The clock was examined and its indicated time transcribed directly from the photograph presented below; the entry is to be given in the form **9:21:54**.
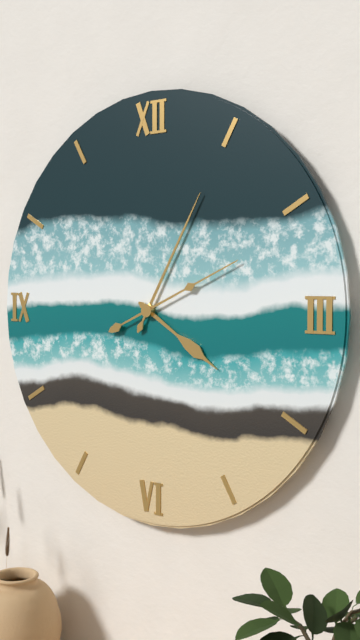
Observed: **4:05:11**
